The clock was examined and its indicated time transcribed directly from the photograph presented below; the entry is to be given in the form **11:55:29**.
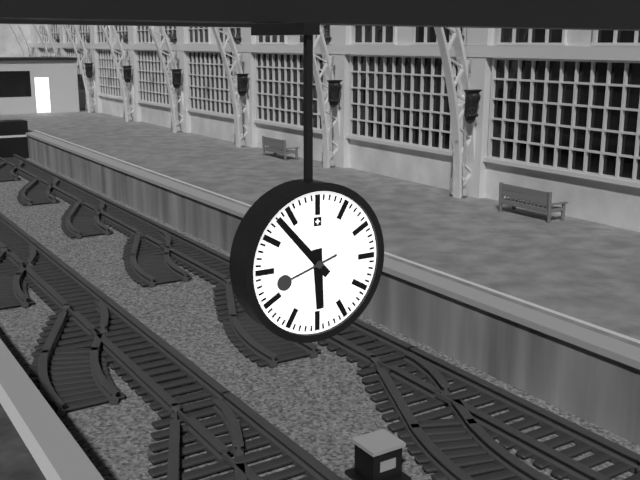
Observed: **5:53:42**
